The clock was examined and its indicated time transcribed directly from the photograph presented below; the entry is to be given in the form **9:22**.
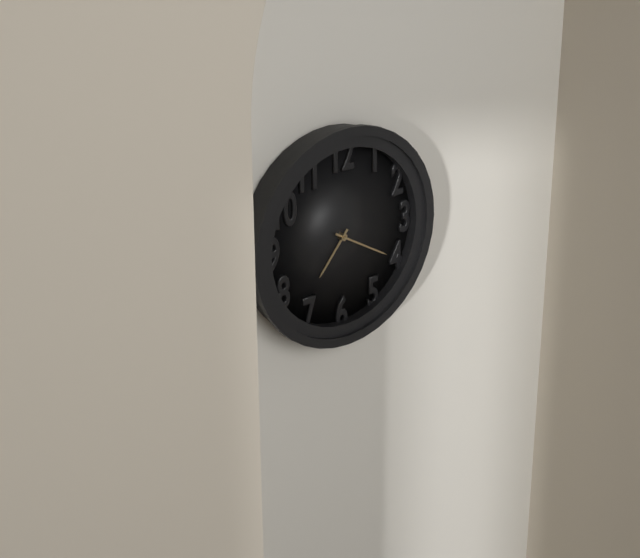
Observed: **7:20**
